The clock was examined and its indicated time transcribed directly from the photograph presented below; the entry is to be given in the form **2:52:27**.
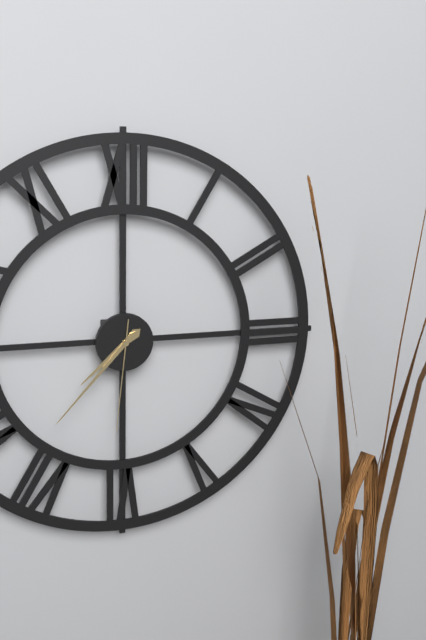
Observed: **7:37:31**
